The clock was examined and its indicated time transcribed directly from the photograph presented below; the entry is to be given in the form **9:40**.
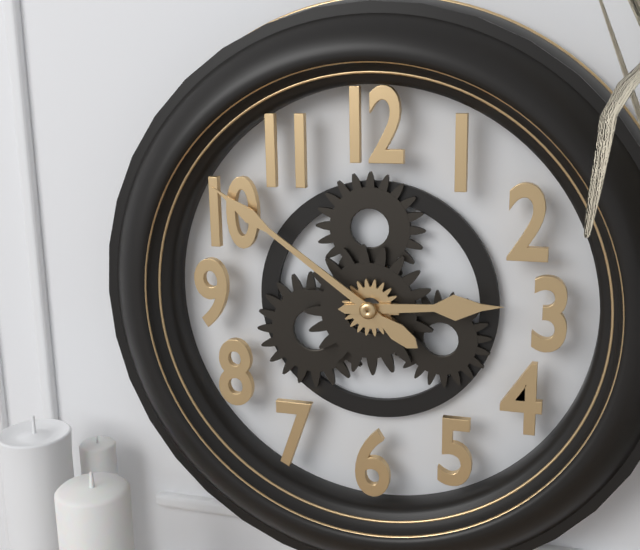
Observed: **2:51**
